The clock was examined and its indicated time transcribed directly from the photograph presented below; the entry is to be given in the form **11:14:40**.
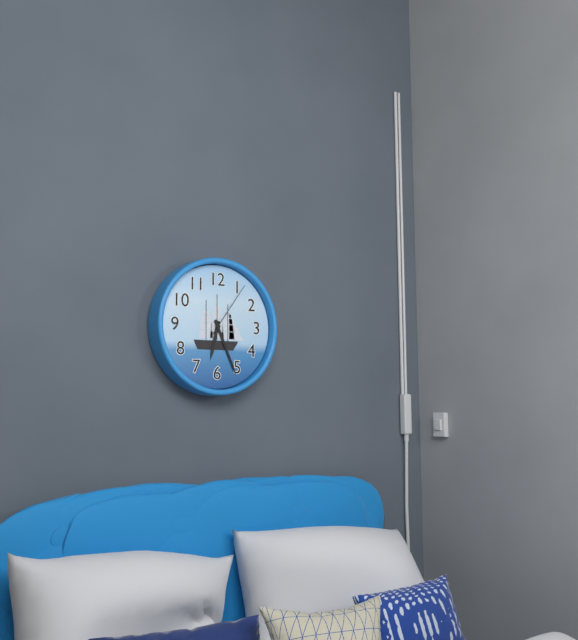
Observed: **6:26:06**
